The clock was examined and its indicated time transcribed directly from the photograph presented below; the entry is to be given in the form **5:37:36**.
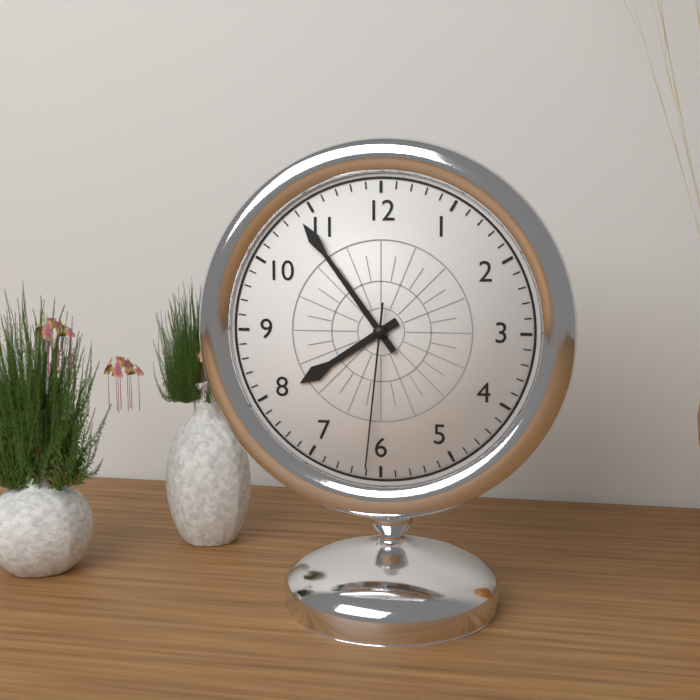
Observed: **7:54:31**
